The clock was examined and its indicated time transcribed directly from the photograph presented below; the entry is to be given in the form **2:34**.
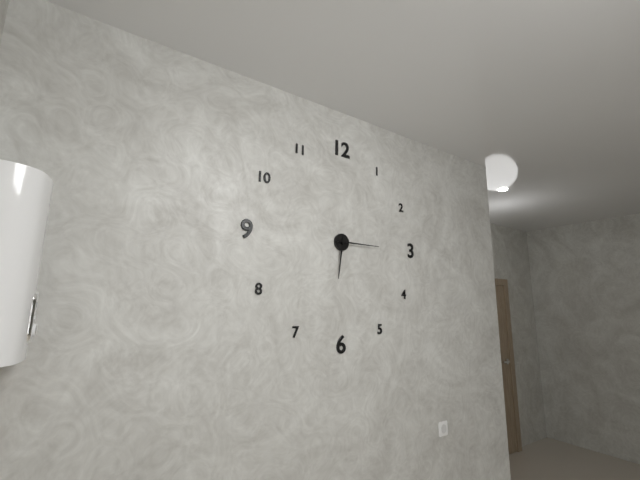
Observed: **6:15**
